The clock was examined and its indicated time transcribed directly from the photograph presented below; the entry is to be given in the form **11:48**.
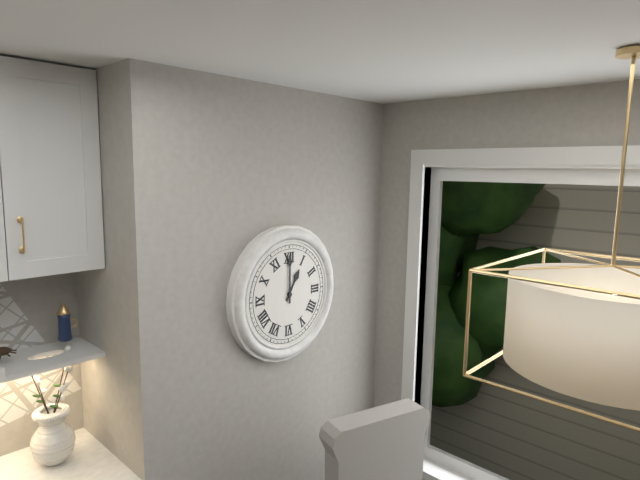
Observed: **1:00**
